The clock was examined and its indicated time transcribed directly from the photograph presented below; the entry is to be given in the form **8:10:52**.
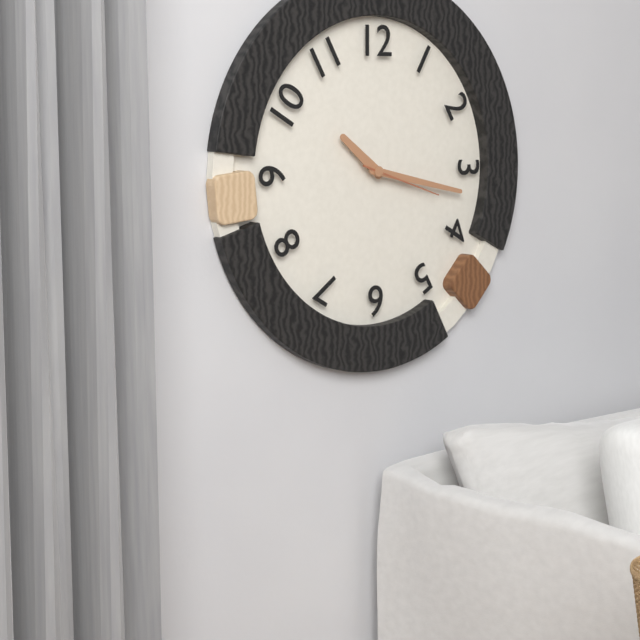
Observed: **10:17:18**
